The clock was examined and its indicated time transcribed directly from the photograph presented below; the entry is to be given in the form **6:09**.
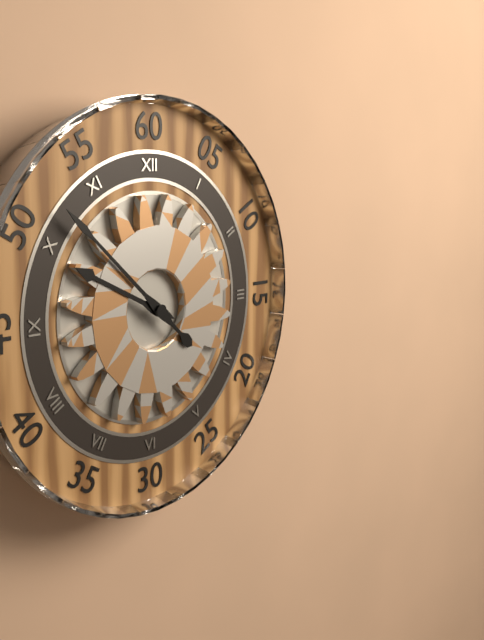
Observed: **9:52**
